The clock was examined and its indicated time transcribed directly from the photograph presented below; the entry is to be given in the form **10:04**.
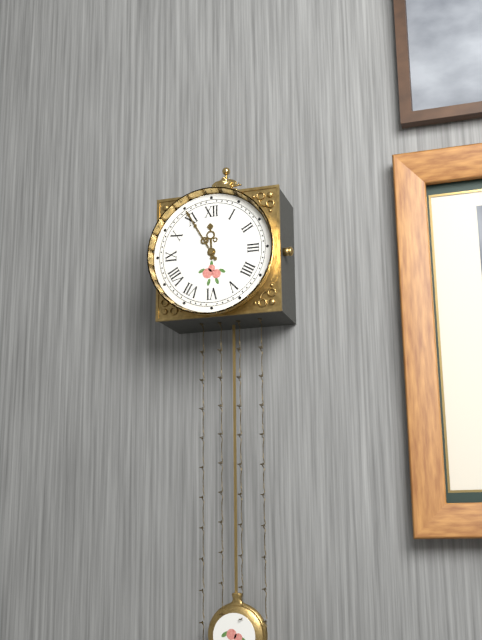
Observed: **11:55**
